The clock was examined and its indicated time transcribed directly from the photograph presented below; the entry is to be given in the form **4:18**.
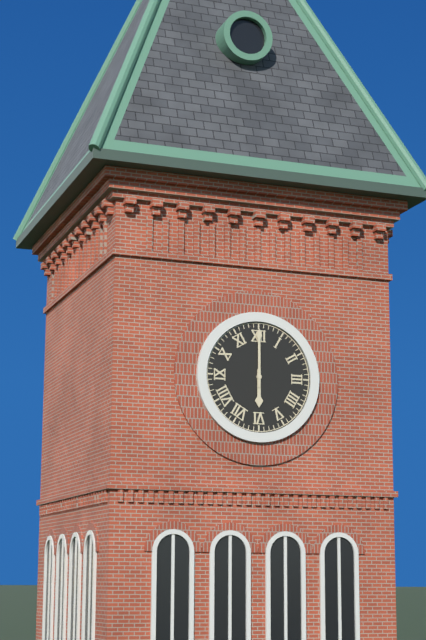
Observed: **6:00**
